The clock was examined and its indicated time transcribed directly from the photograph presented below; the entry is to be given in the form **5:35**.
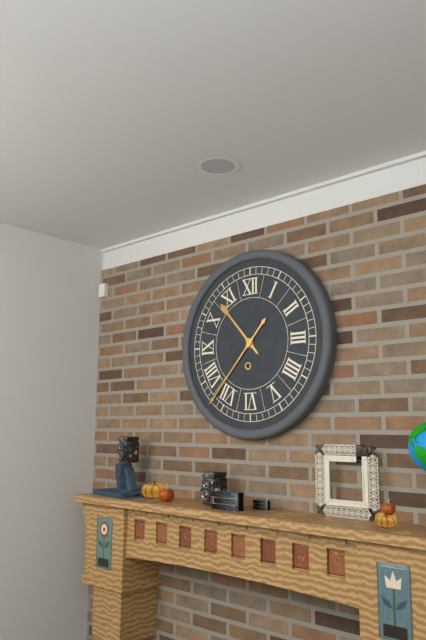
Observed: **10:37**
